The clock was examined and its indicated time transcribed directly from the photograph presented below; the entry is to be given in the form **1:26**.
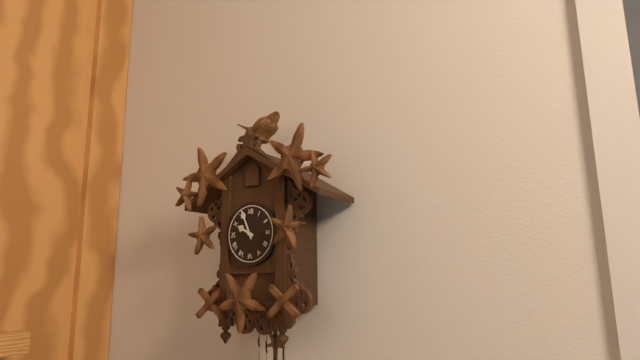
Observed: **9:56**
